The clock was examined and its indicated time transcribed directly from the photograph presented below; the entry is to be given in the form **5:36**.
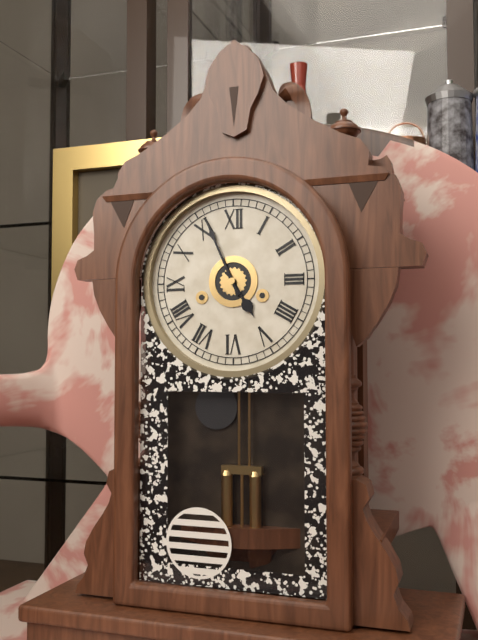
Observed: **4:56**
